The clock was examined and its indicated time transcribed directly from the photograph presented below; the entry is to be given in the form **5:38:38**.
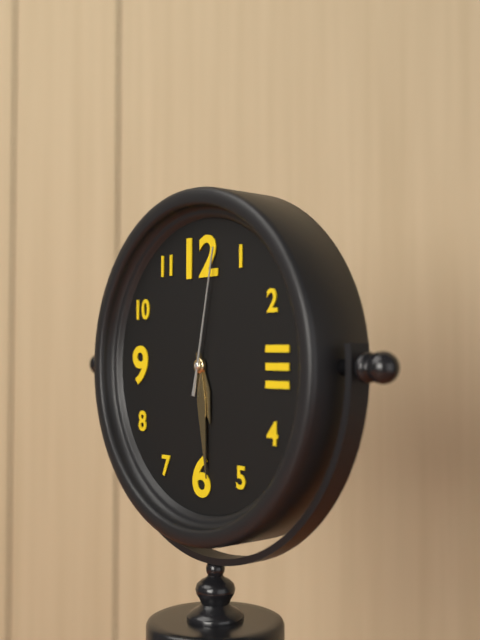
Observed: **5:29:02**
